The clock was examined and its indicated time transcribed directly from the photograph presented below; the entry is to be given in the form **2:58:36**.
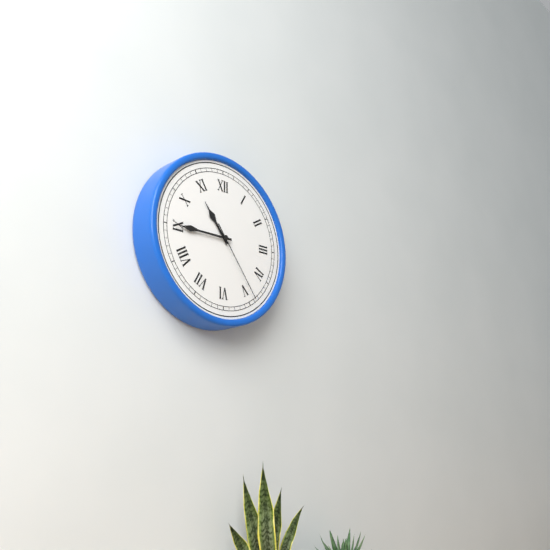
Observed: **10:45:24**
